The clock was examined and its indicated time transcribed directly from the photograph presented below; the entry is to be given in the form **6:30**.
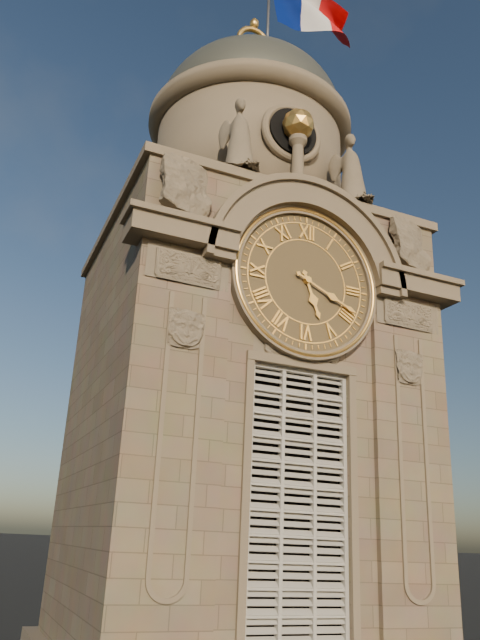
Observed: **5:19**
